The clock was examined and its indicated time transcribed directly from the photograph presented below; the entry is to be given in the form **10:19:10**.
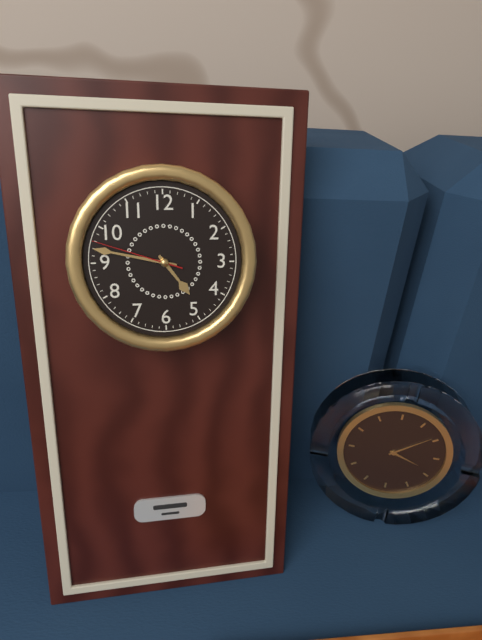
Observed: **4:47:48**
